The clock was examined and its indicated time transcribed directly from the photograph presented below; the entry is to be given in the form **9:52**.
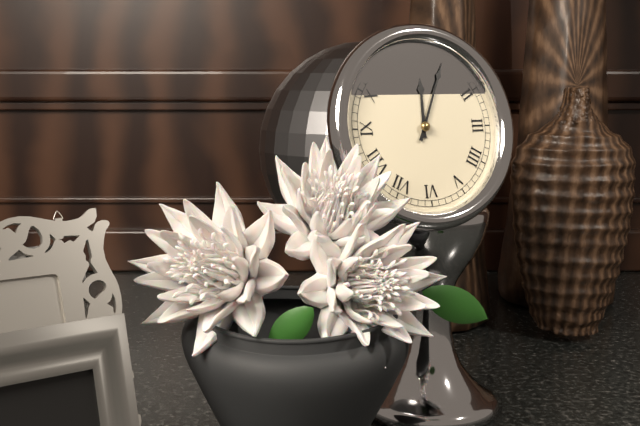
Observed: **12:04**
